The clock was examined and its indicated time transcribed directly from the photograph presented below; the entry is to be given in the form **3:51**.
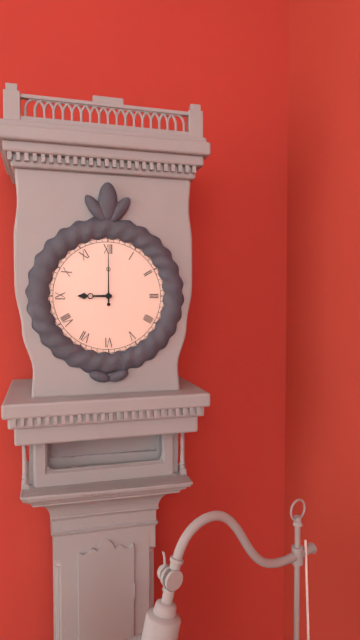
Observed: **9:00**
